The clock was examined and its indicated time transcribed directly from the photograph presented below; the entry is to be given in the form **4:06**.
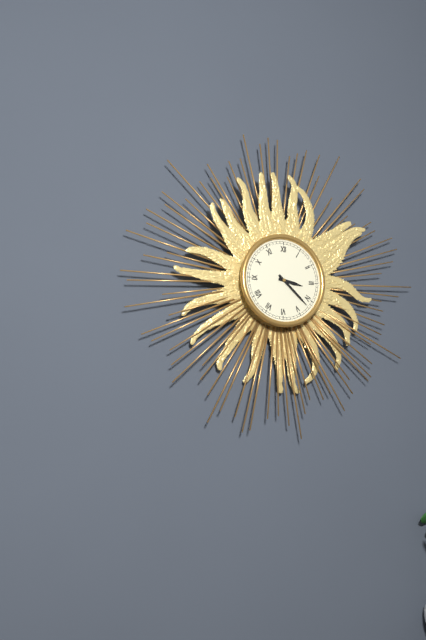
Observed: **3:22**
